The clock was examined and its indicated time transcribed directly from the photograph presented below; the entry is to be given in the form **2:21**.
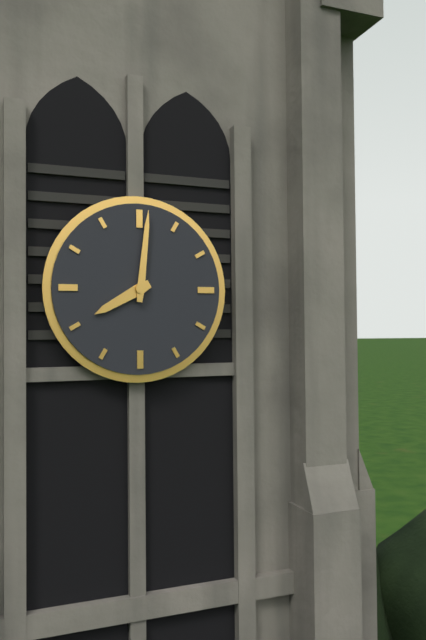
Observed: **8:01**
